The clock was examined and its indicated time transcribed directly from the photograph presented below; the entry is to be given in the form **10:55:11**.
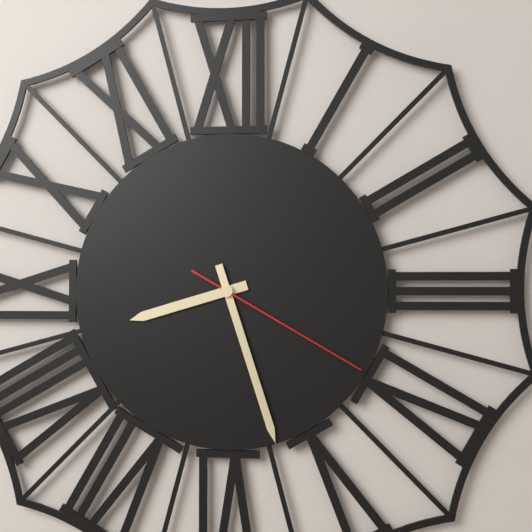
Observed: **8:27:20**
